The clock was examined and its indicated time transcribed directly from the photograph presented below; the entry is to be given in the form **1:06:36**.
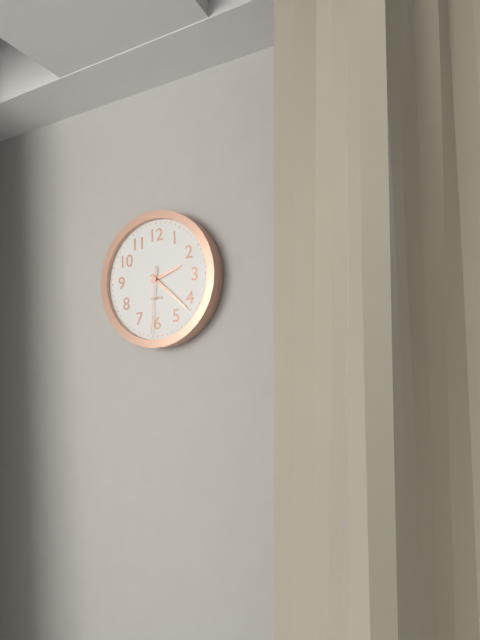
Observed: **2:22:31**
